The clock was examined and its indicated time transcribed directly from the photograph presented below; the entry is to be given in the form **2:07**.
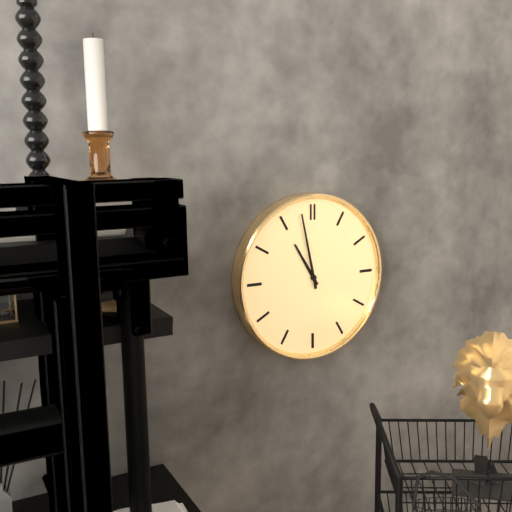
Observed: **10:58**
